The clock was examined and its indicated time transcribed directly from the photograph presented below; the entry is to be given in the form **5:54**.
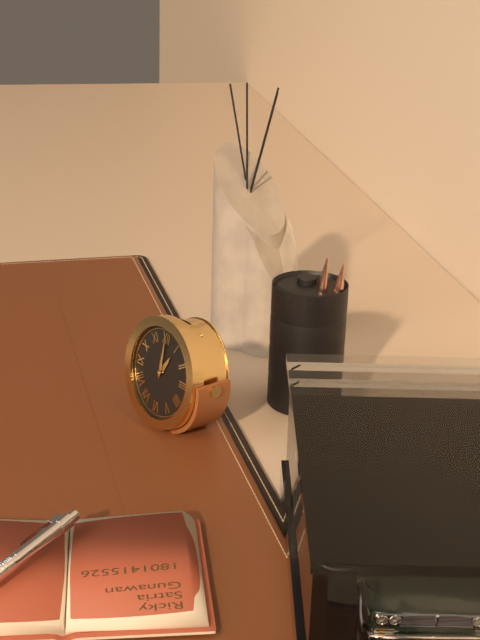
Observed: **1:00**
